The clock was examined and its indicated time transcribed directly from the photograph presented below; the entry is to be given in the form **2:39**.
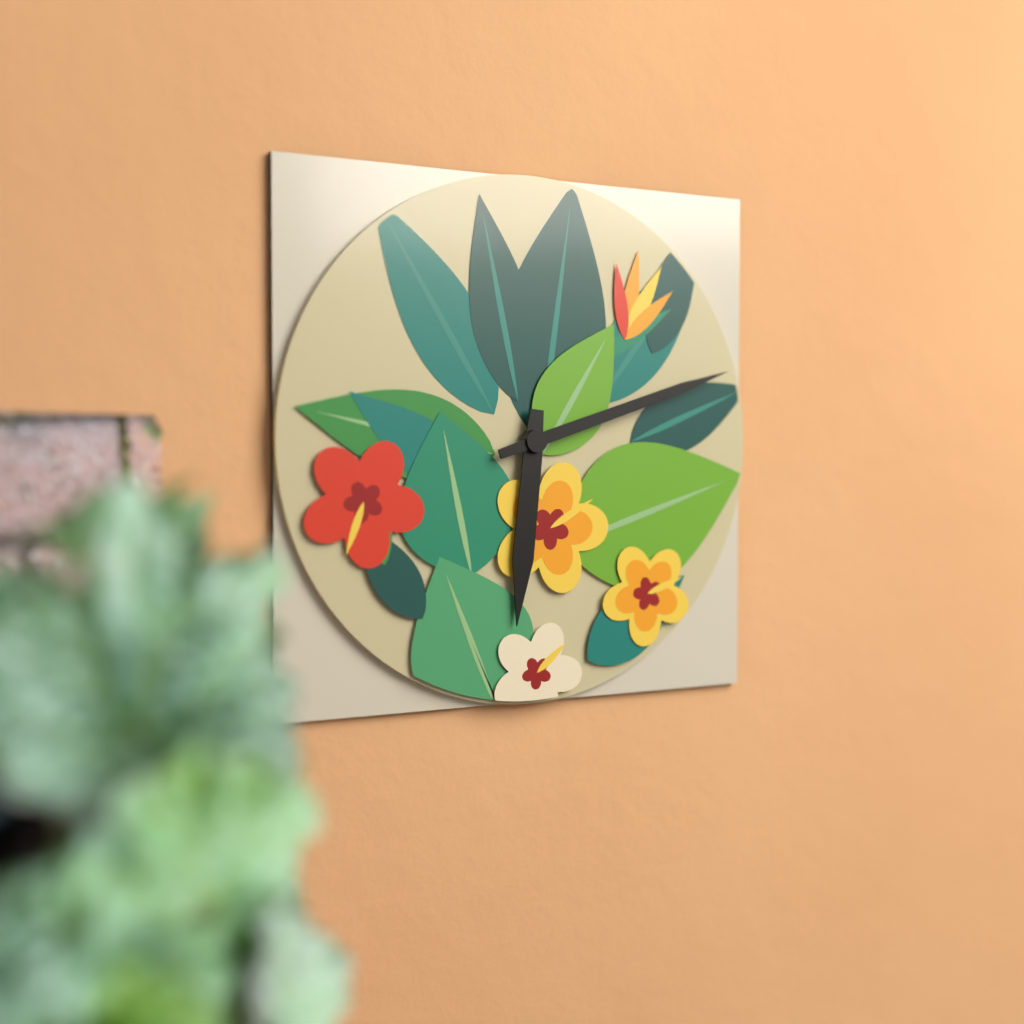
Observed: **6:12**
